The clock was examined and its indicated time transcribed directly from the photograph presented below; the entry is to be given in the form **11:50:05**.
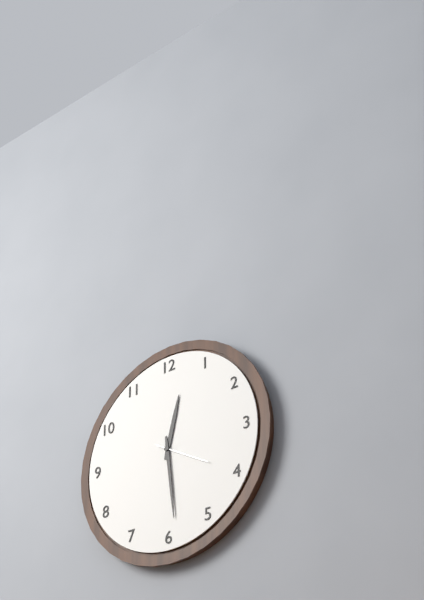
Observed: **12:29:20**
